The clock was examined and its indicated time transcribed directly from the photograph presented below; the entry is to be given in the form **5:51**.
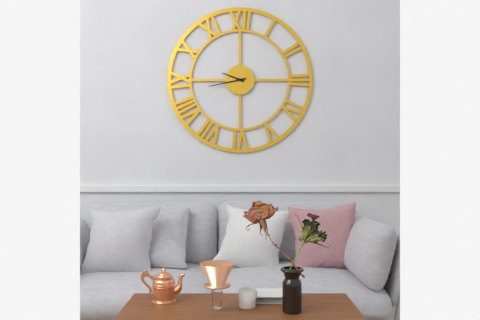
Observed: **9:43**
